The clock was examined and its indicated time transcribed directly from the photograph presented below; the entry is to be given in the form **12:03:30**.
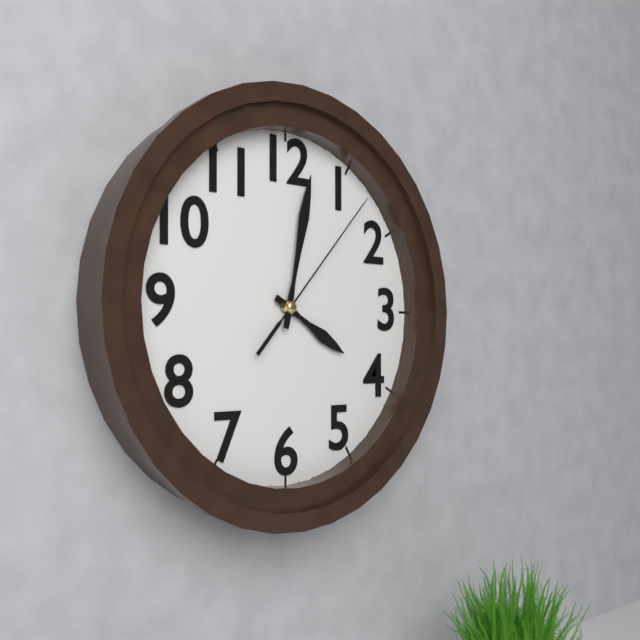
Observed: **4:02:07**
